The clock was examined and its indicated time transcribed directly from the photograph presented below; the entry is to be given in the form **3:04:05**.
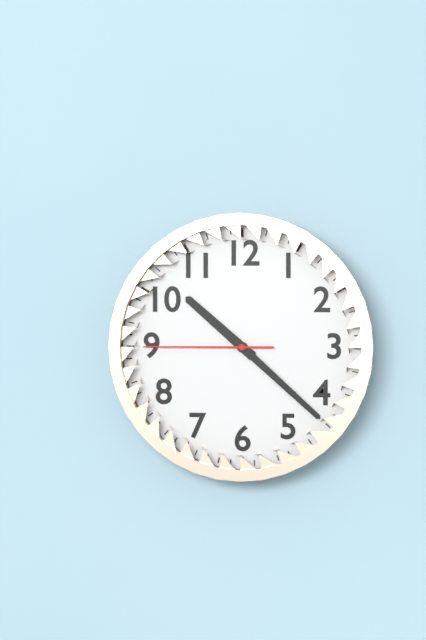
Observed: **10:22:45**
